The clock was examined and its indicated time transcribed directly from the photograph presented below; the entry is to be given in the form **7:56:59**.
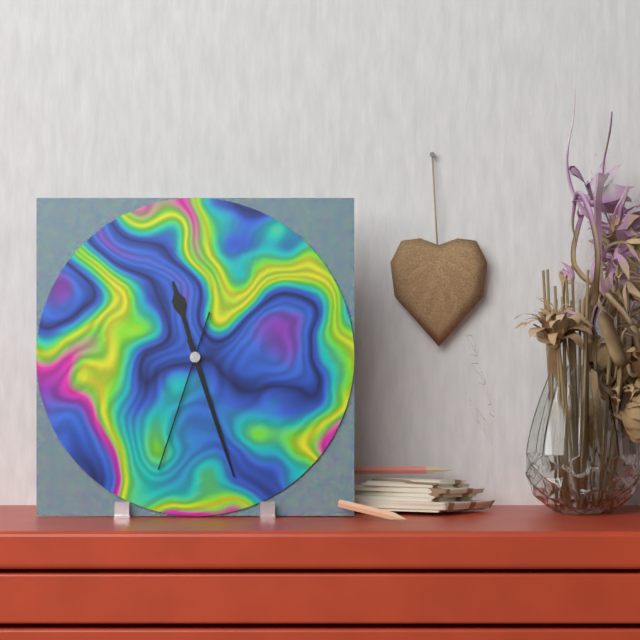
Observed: **11:27:33**
